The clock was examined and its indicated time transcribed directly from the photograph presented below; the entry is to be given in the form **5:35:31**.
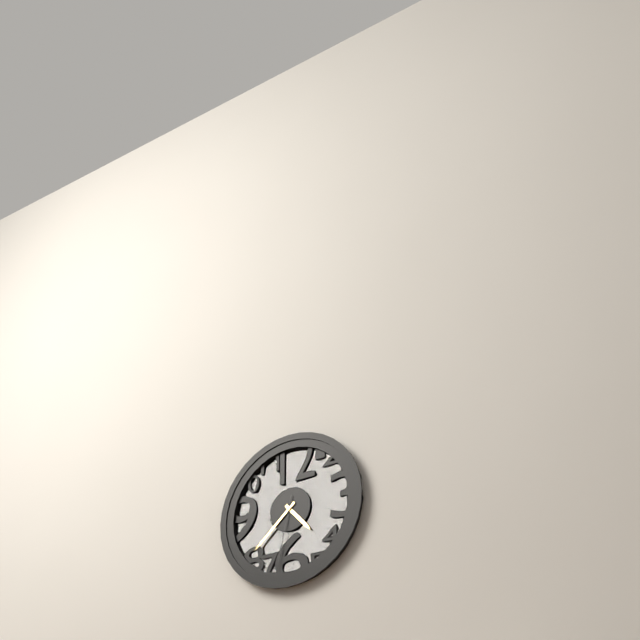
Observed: **4:38:32**
